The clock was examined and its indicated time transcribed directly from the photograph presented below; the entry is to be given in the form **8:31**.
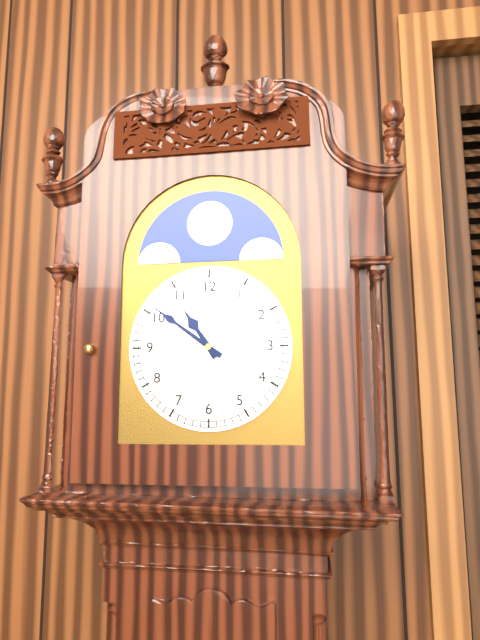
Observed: **10:51**
